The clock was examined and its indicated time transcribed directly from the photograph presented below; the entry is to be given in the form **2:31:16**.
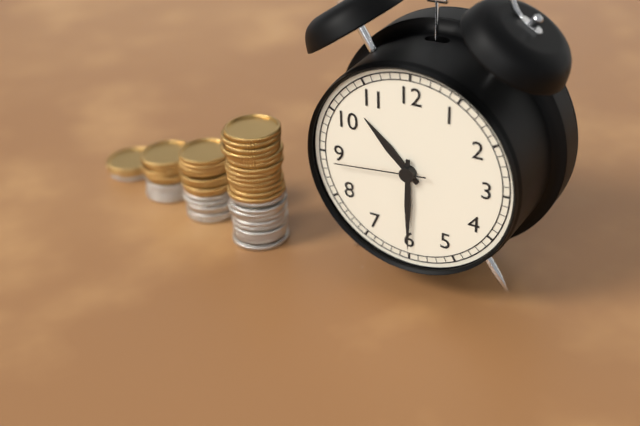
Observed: **10:30:44**
